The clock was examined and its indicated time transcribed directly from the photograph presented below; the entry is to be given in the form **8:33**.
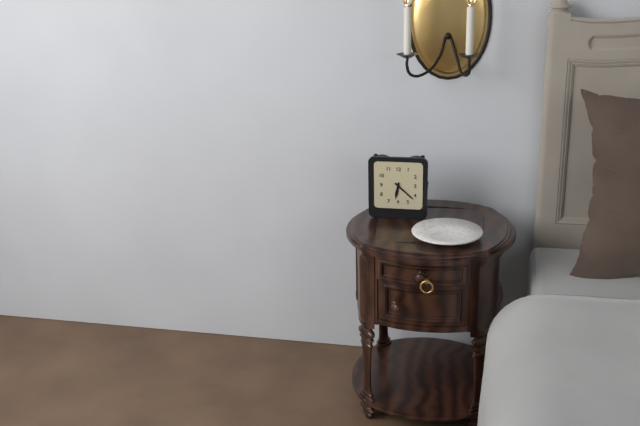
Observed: **6:22**
